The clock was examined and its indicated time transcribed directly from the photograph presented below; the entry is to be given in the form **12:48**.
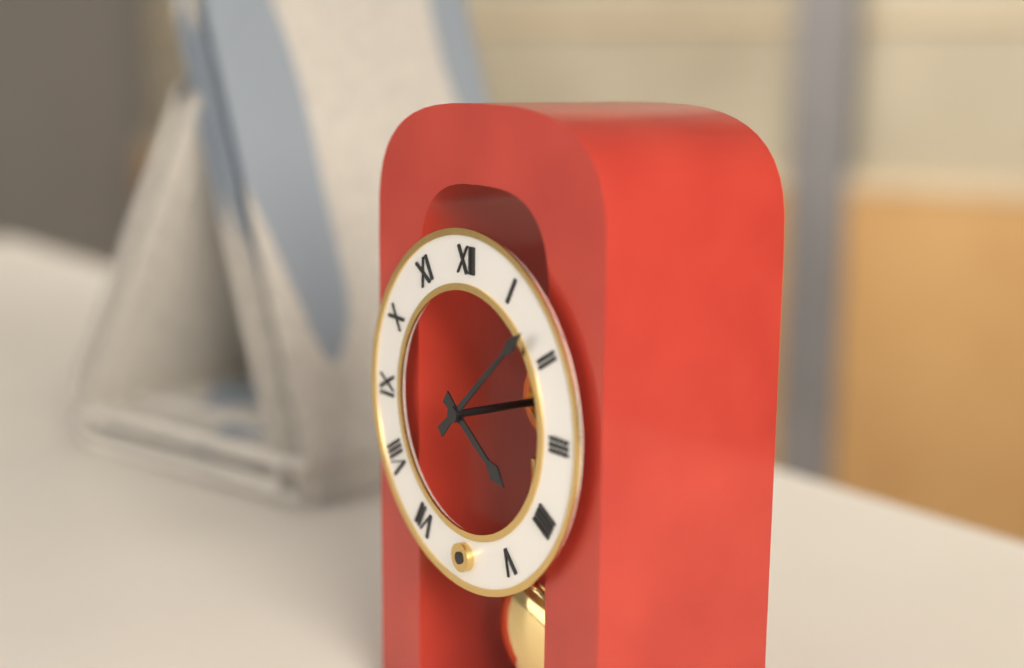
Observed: **4:08**
